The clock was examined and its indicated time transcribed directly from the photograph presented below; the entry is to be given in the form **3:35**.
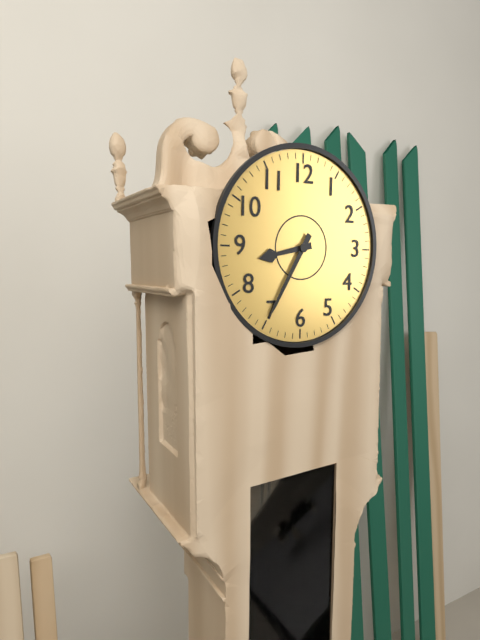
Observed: **8:35**
